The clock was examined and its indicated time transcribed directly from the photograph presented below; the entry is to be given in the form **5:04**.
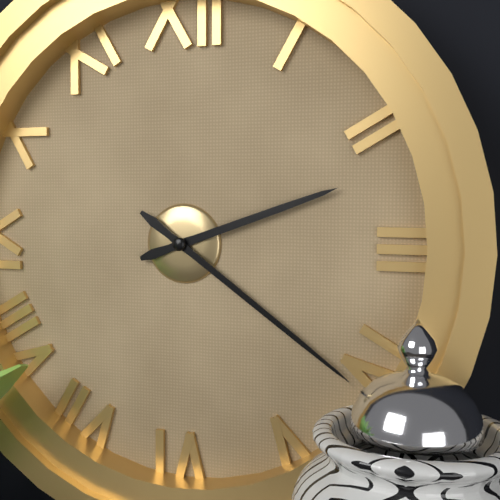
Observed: **2:21**
